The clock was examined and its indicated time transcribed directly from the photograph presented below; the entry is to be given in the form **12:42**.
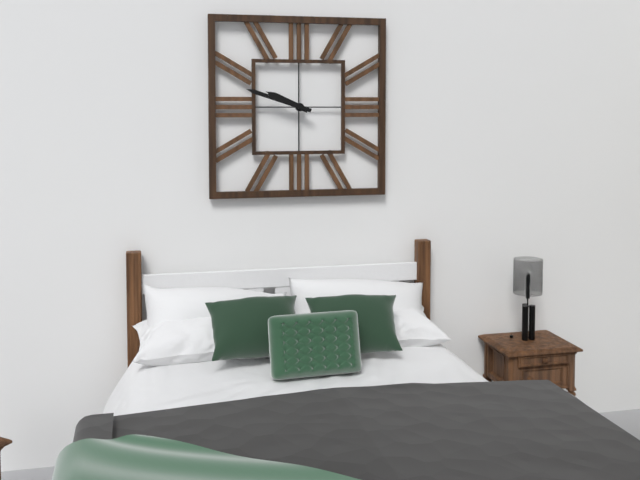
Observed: **9:48**
